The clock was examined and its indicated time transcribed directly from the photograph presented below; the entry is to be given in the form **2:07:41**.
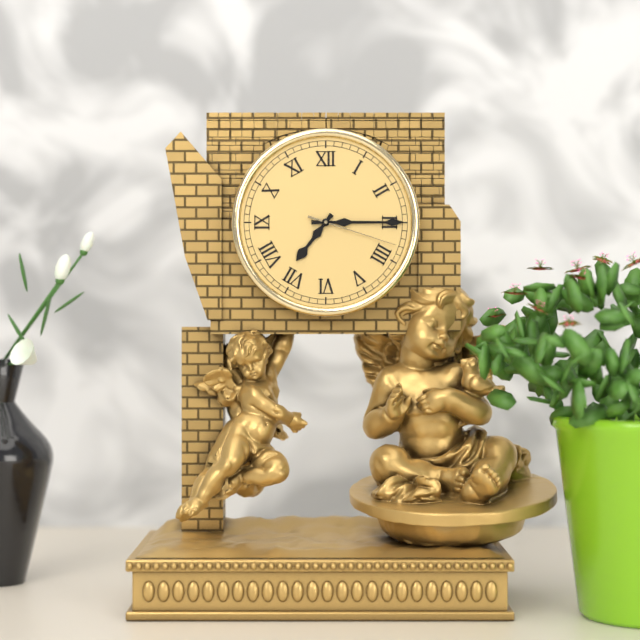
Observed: **7:15:18**
